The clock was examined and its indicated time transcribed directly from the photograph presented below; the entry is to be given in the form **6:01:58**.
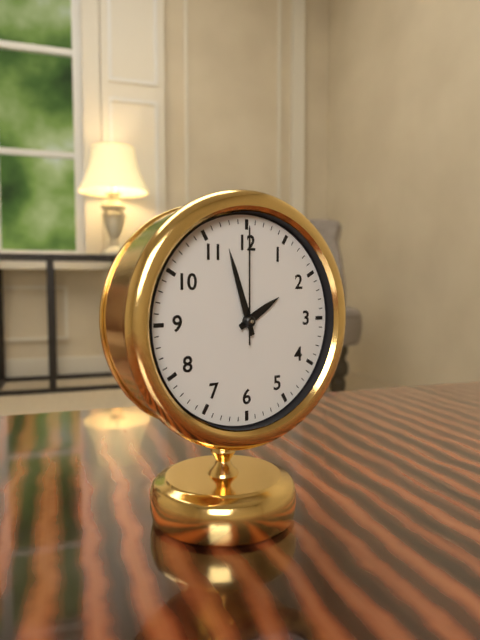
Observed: **1:57:00**
